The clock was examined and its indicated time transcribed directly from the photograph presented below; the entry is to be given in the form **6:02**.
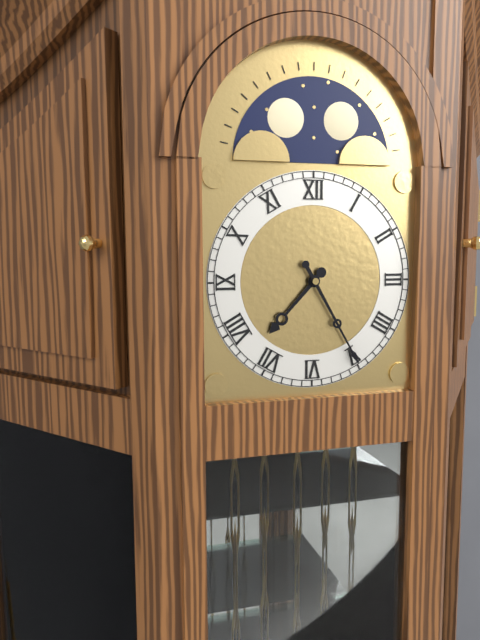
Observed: **7:25**
